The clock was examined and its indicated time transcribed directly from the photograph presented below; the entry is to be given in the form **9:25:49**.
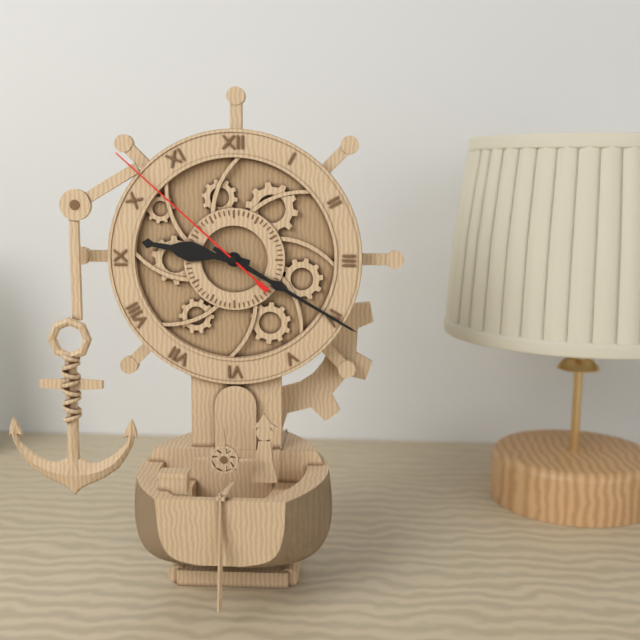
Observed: **9:20:52**
